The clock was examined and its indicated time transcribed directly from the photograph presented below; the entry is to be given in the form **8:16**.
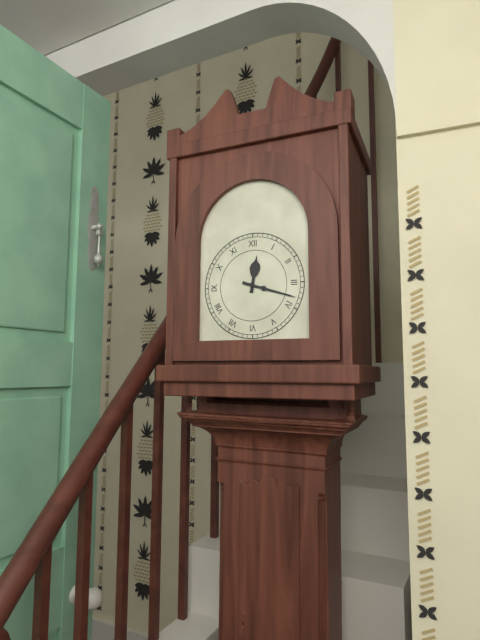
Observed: **12:18**
